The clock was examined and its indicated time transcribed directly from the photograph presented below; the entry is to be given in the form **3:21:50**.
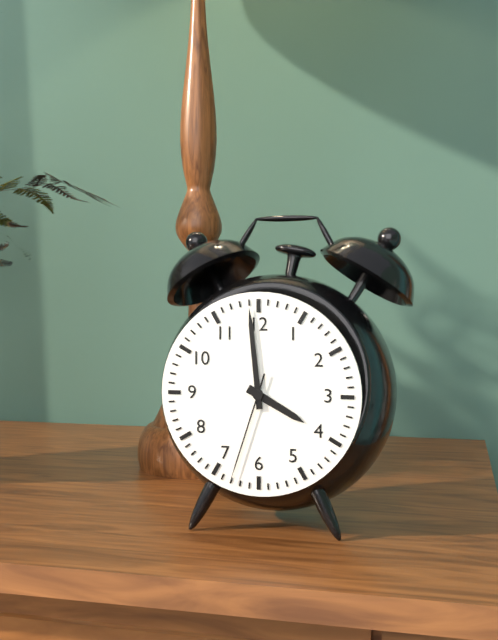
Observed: **3:59:33**
